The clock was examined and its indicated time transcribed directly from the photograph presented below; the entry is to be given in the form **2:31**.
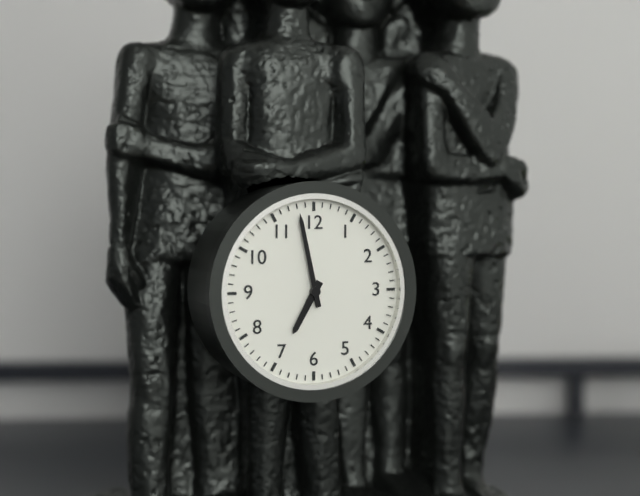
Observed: **6:58**
